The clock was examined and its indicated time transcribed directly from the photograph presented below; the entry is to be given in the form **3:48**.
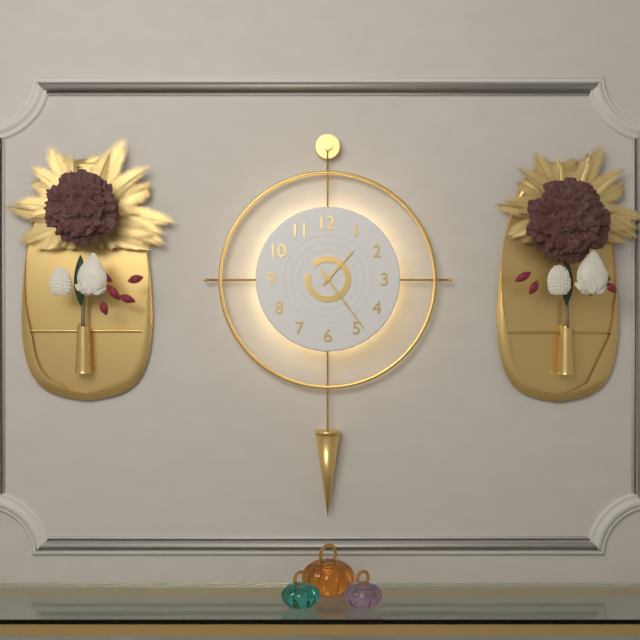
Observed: **1:24**
